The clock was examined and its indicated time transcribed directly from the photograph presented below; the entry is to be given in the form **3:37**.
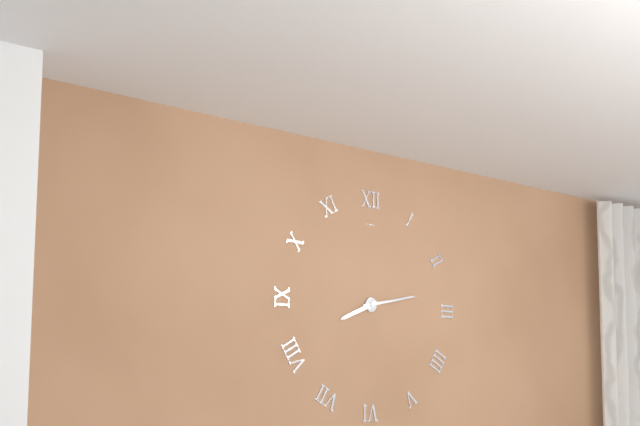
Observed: **8:13**
